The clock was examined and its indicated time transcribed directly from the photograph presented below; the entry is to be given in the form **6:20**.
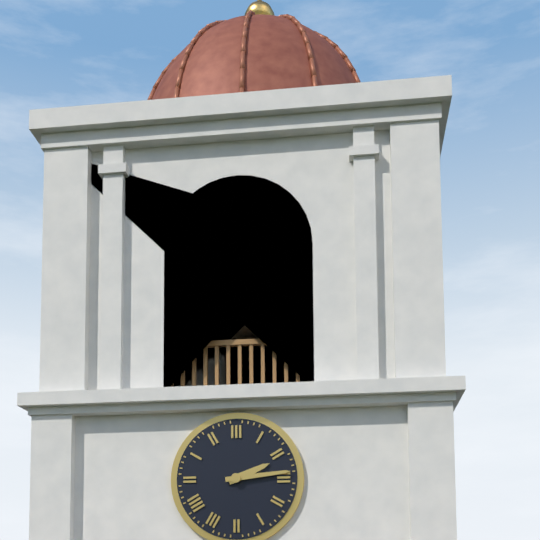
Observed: **2:14**
